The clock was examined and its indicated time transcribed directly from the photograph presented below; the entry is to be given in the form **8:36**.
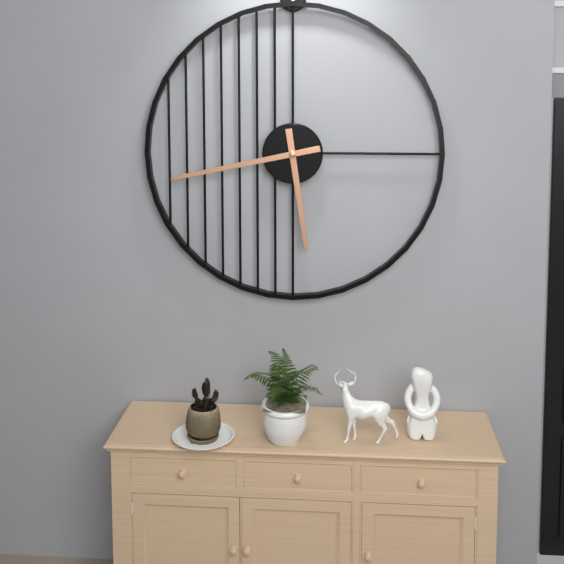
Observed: **5:43**
